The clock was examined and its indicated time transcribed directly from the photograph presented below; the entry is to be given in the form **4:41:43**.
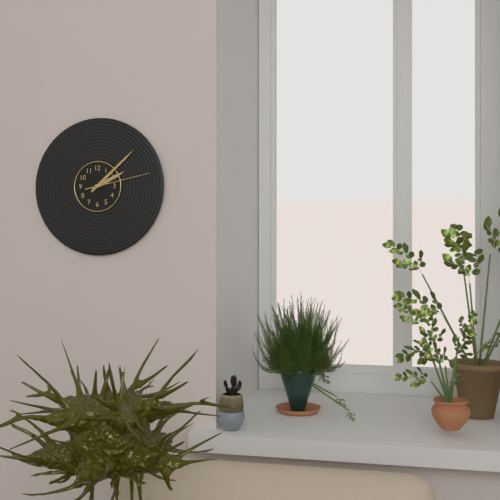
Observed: **2:08:13**
